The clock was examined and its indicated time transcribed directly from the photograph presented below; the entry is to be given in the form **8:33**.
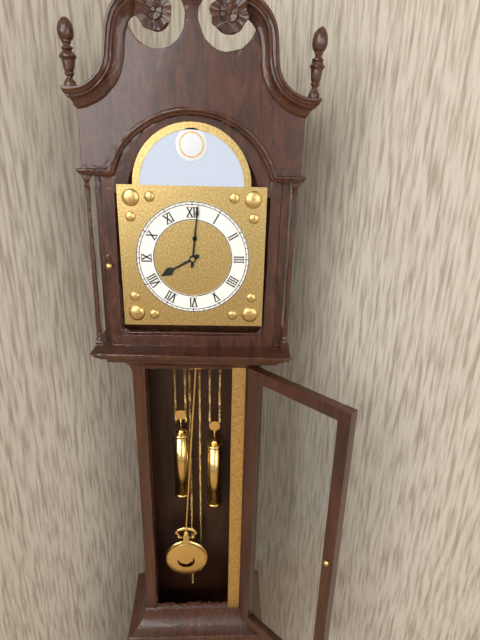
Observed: **8:01**
